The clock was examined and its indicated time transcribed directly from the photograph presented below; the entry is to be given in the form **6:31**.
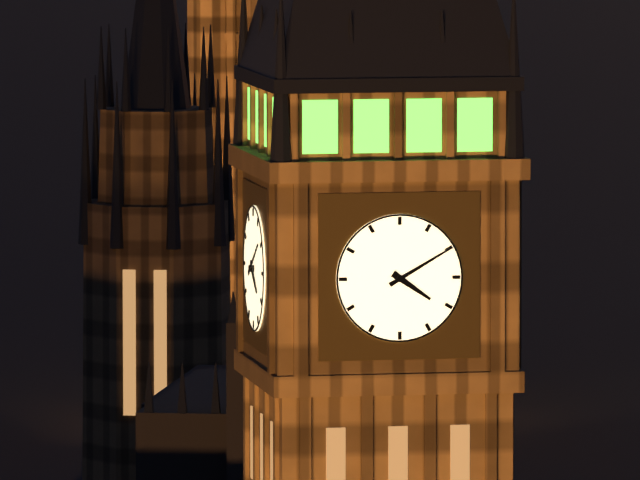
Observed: **4:10**
